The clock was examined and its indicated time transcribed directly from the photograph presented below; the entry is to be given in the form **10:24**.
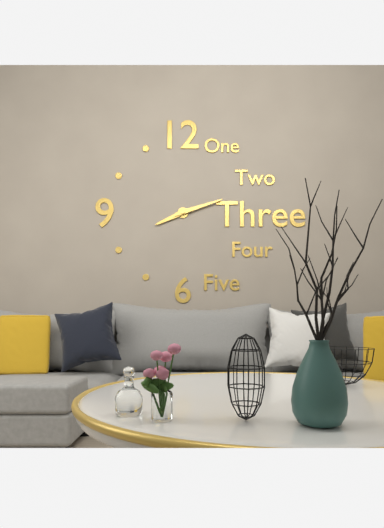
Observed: **8:12**
